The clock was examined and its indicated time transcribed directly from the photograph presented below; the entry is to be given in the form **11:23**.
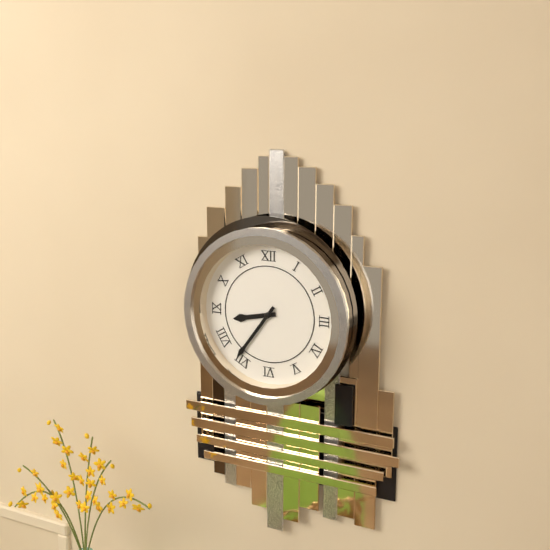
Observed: **8:36**
